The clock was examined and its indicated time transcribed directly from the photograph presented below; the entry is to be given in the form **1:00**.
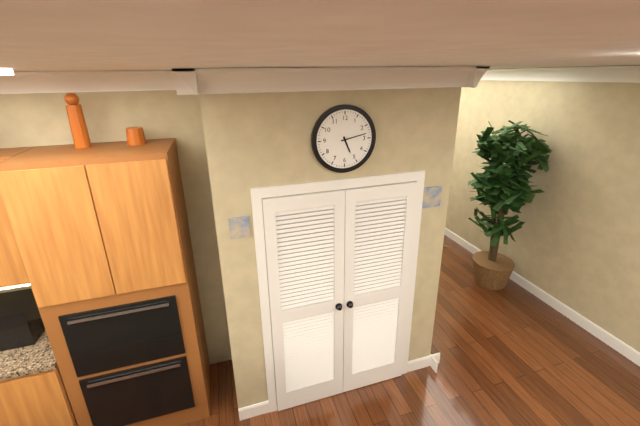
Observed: **5:13**
